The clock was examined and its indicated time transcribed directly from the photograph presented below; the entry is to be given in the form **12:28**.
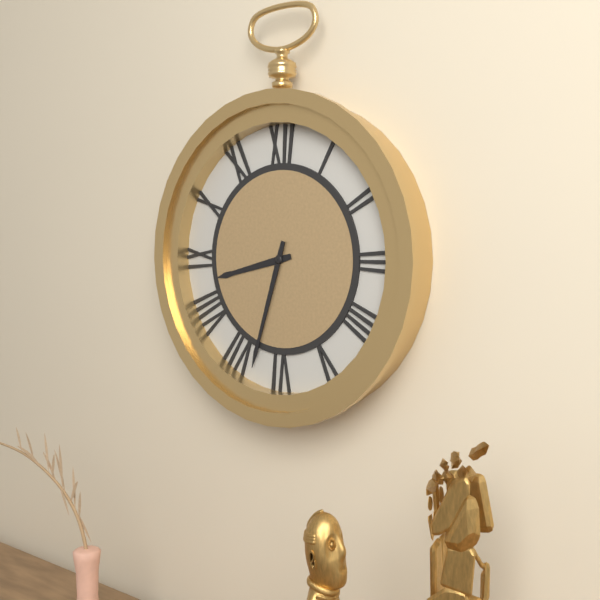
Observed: **8:33**
